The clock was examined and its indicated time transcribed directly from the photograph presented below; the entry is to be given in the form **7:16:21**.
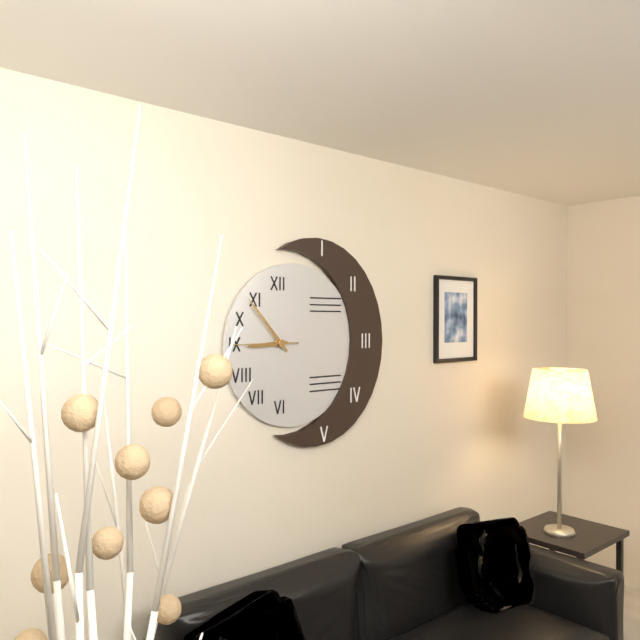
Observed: **8:53:45**
